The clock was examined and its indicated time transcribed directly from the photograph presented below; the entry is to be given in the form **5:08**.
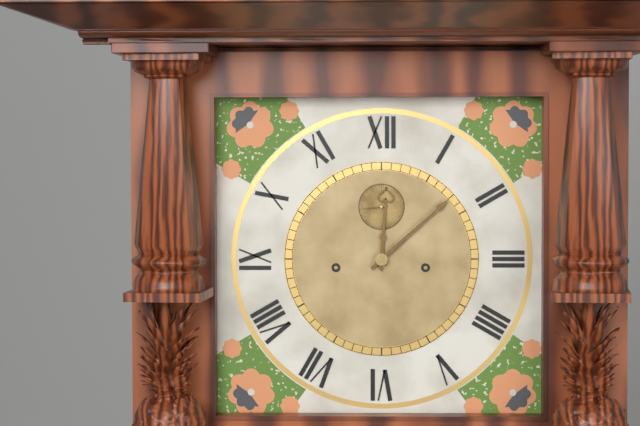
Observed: **12:08**
